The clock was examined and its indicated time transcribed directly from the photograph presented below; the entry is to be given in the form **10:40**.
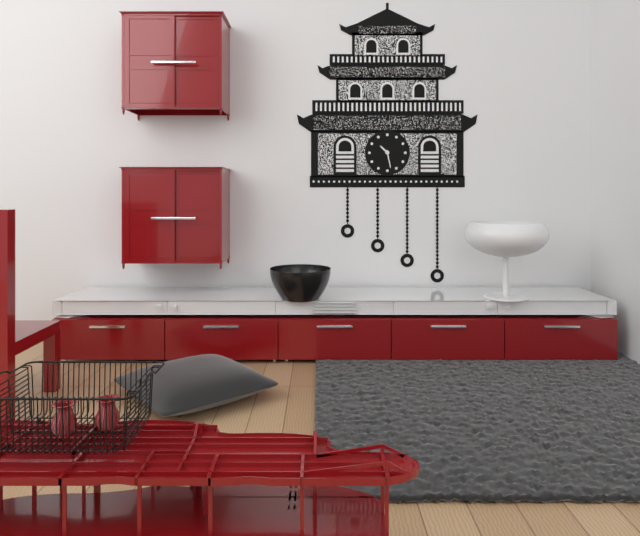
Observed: **10:28**
